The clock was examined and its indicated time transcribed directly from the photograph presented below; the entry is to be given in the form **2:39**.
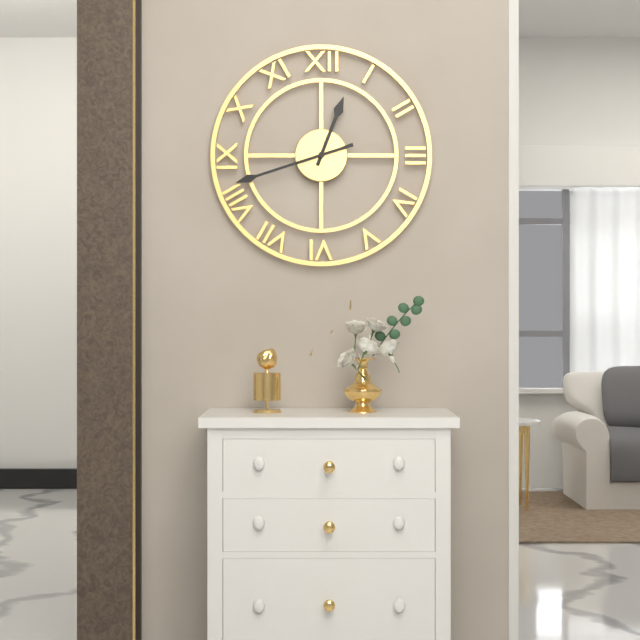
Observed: **12:42**
